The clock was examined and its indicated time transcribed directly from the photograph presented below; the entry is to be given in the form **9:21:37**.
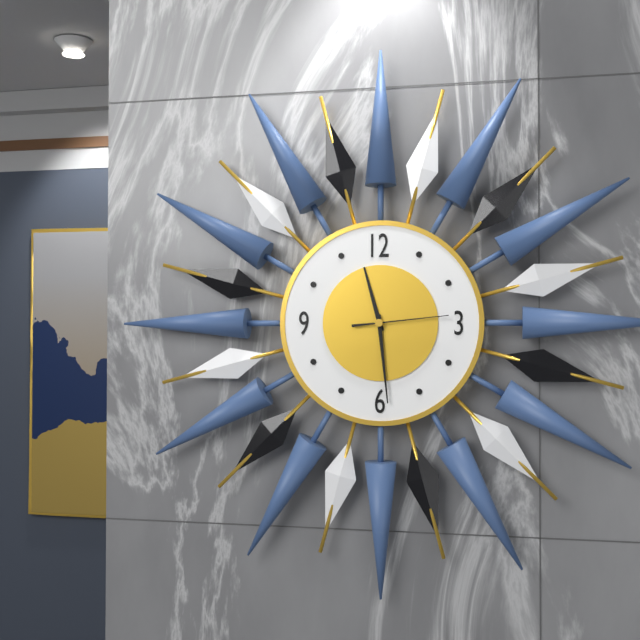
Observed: **11:29:14**
